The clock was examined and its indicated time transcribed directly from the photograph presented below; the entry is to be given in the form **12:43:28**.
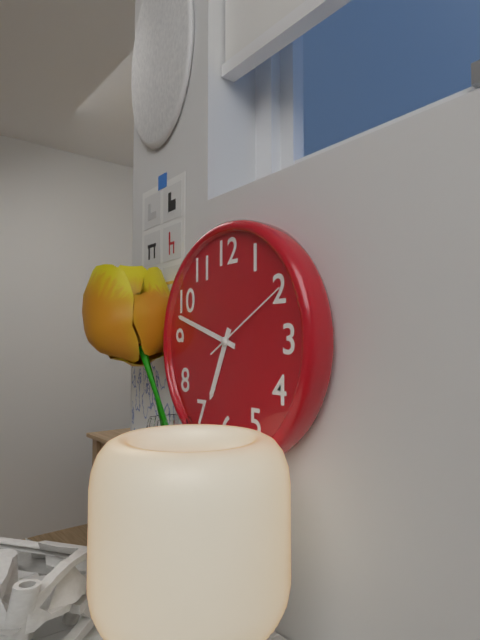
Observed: **6:48:10**
